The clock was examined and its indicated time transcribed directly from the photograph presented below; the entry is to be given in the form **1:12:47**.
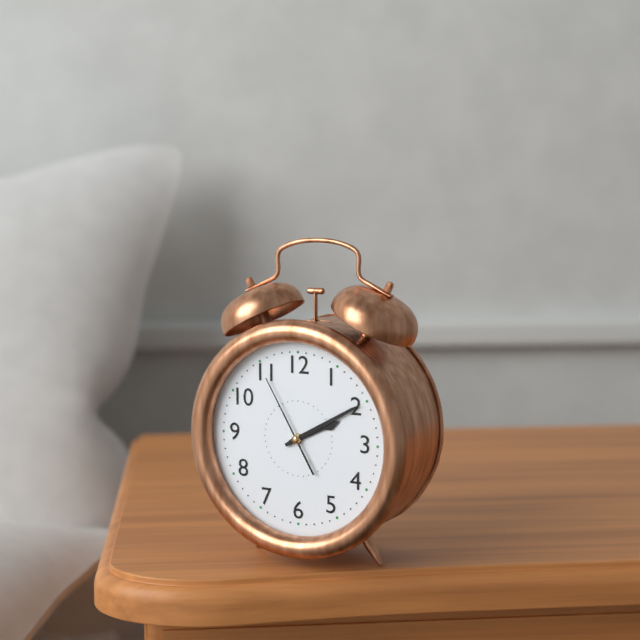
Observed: **2:10:55**
